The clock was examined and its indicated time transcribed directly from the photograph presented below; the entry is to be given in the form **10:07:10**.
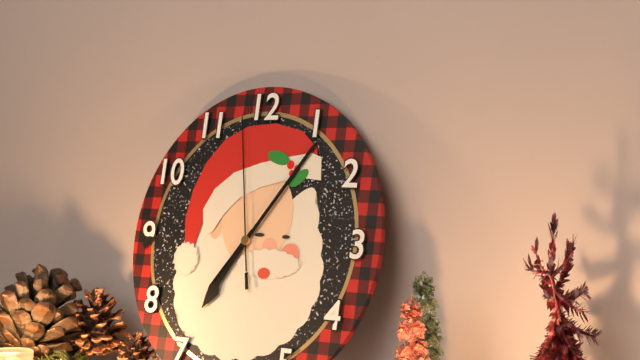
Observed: **7:06:58**
